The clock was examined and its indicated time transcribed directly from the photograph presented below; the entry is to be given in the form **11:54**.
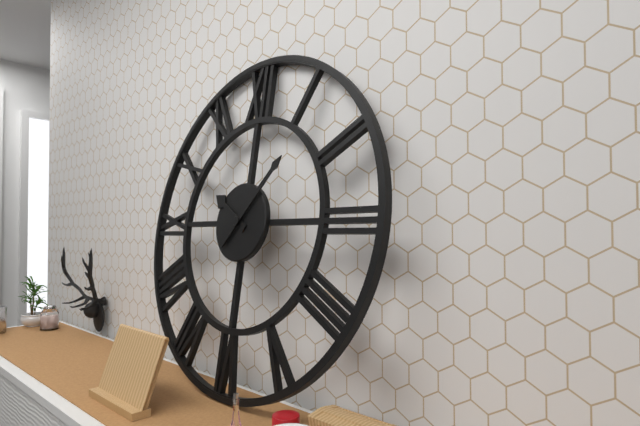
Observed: **10:07**
